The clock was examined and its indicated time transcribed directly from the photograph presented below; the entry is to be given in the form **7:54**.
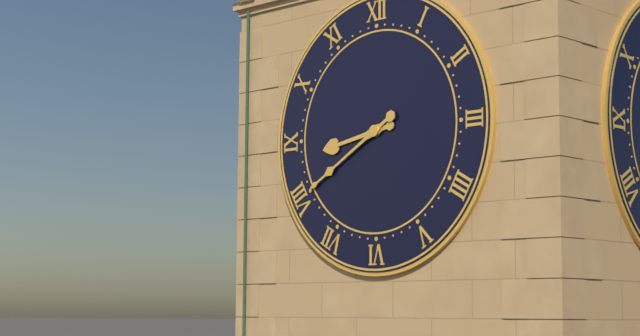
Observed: **8:40**
